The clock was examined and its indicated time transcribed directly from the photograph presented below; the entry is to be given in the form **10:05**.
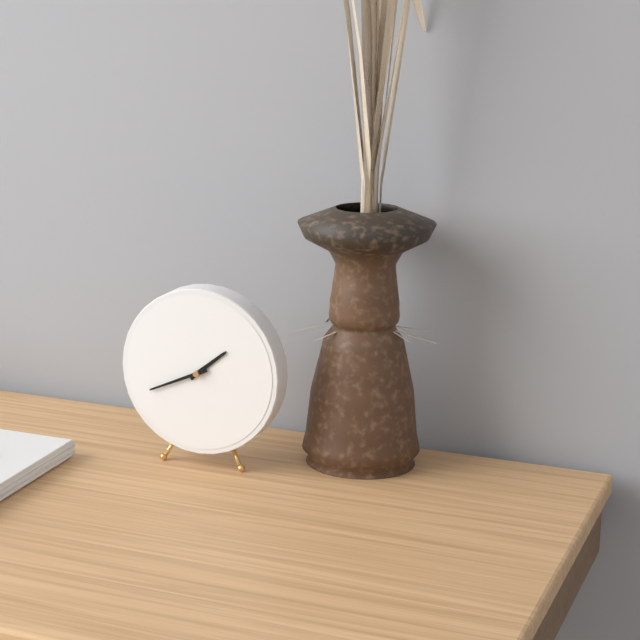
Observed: **1:41**
